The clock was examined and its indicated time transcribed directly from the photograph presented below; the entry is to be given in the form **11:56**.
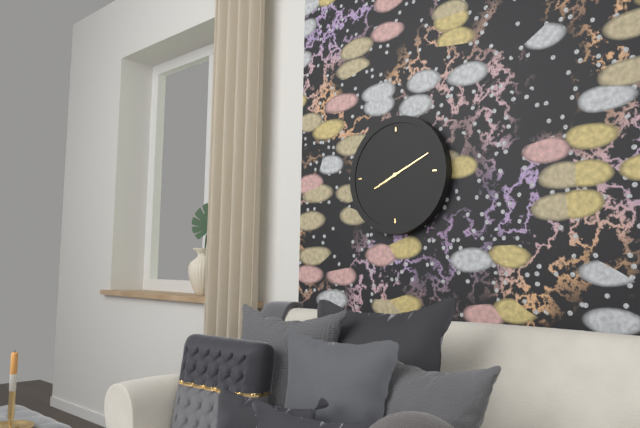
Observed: **8:11**
